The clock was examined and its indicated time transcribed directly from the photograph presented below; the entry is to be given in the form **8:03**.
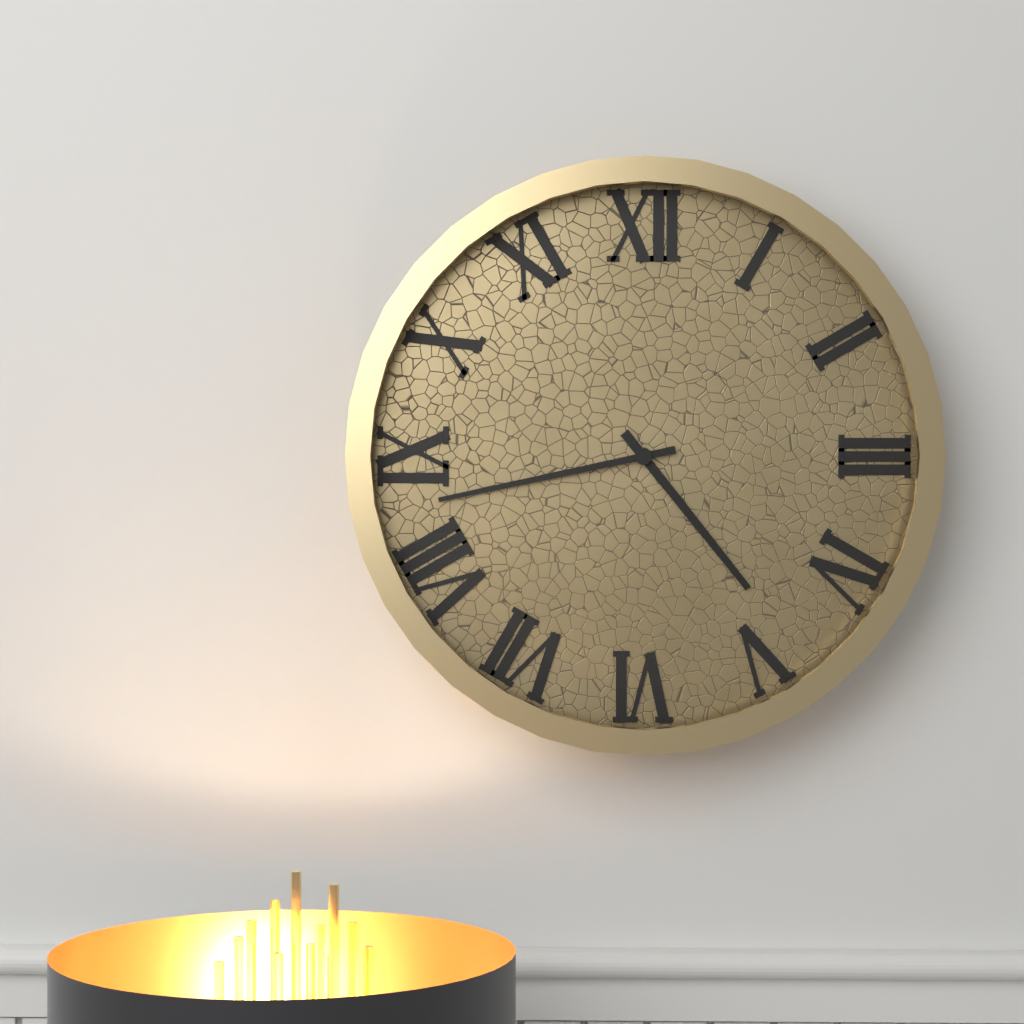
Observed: **4:43**
